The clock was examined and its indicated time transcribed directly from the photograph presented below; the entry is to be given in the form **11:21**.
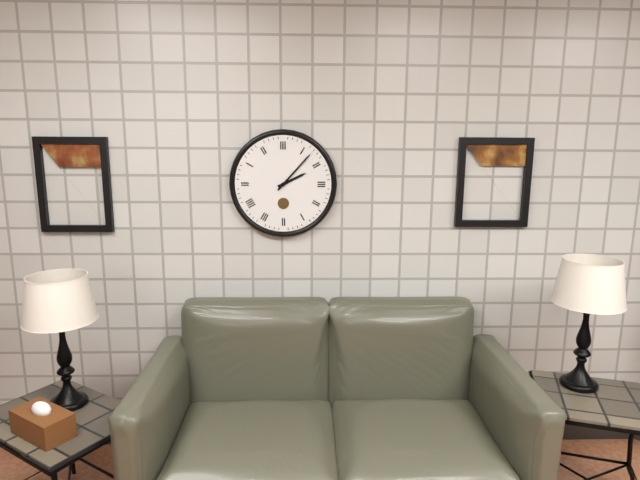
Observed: **2:07**
